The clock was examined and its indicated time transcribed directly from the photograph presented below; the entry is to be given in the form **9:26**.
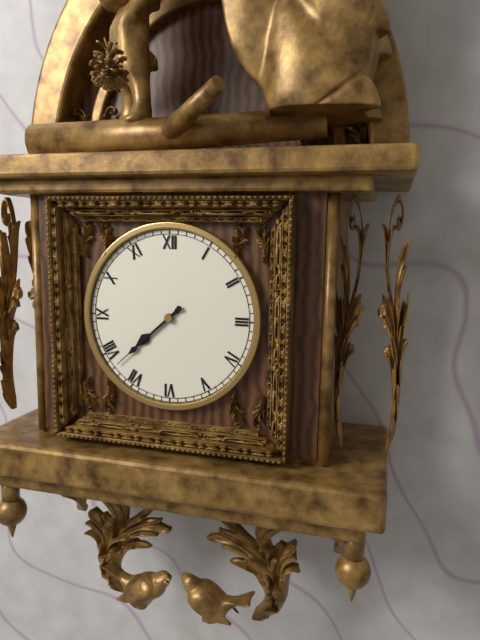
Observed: **7:38**
